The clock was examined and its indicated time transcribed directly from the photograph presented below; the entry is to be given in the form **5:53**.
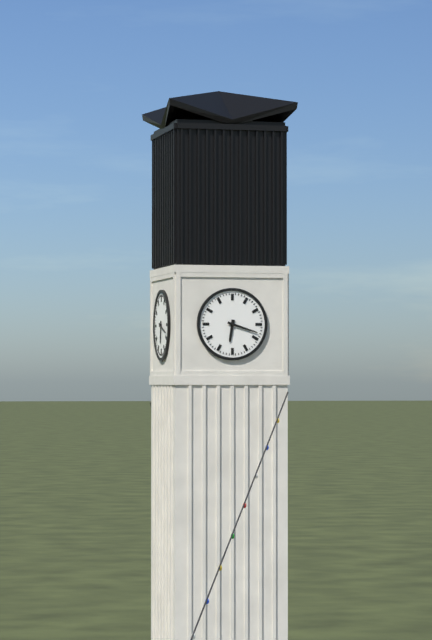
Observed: **6:18**
